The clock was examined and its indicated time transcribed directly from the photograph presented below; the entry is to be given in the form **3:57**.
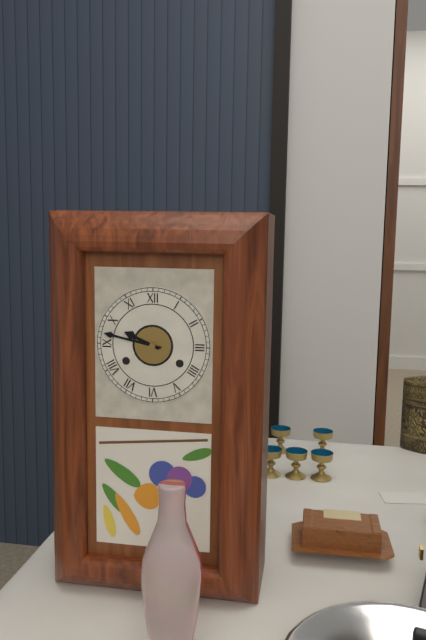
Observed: **9:47**
